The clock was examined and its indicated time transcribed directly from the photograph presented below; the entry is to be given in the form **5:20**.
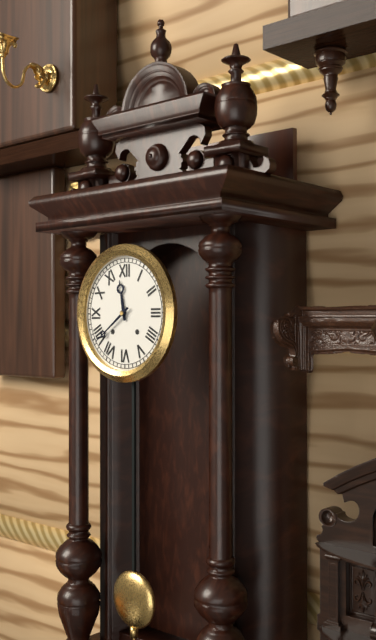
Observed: **11:39**
